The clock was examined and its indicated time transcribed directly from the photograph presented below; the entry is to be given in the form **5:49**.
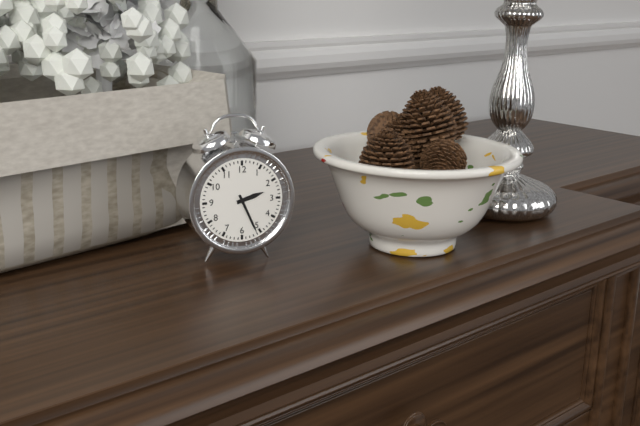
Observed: **2:26**
